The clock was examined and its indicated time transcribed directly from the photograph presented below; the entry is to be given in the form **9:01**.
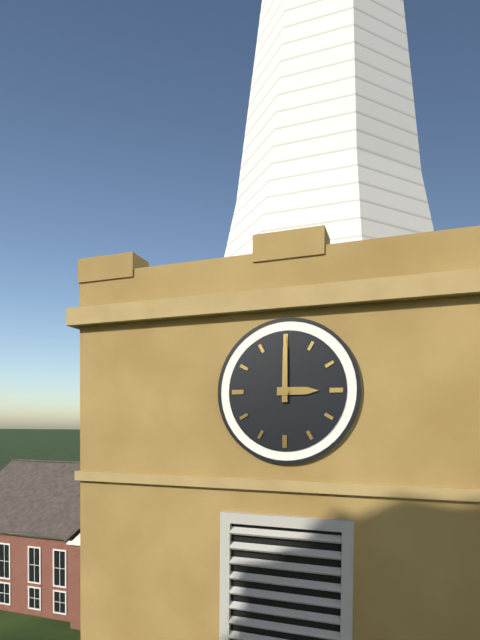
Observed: **3:00**
